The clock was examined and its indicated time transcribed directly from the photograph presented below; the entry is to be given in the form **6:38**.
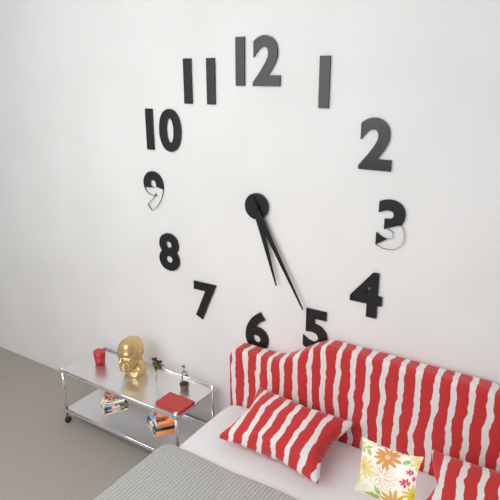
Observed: **5:25**
